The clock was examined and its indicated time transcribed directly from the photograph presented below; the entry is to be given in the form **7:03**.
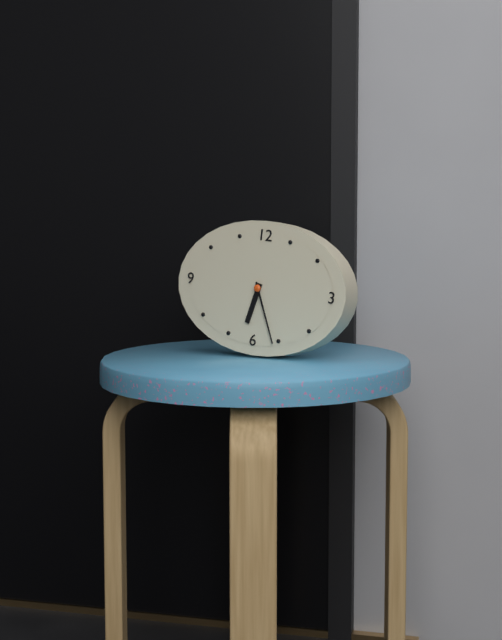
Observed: **6:26**
